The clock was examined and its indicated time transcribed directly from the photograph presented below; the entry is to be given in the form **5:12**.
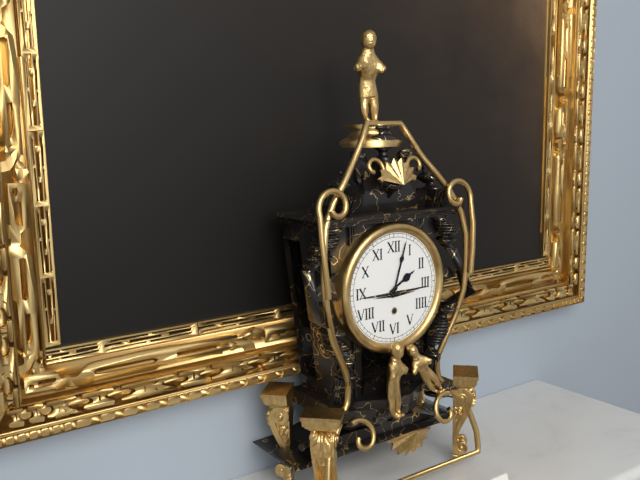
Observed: **2:03**
